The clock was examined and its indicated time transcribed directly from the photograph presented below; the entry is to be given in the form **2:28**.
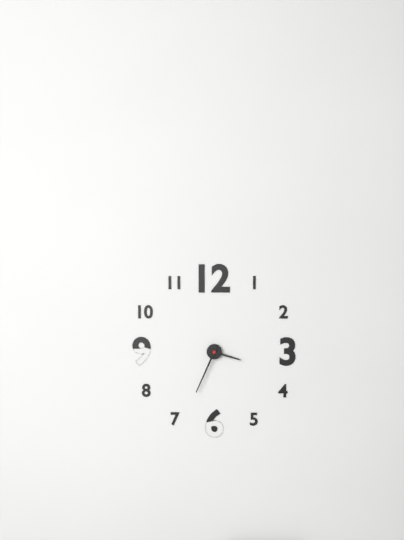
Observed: **3:34**
